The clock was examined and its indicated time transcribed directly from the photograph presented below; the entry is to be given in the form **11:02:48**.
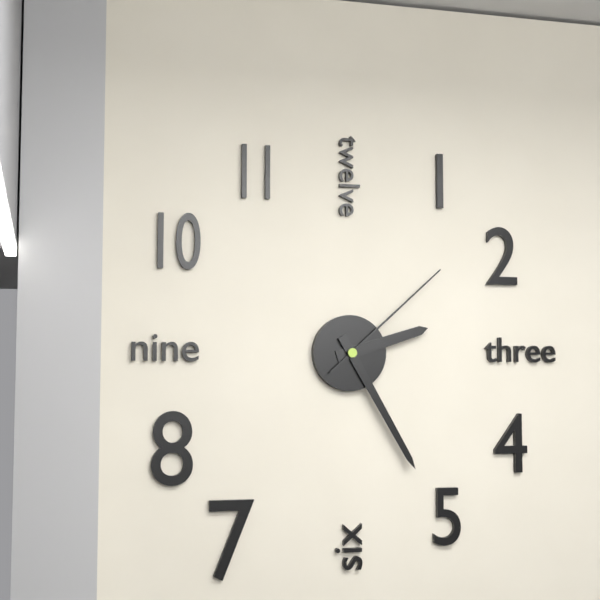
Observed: **2:25:08**
